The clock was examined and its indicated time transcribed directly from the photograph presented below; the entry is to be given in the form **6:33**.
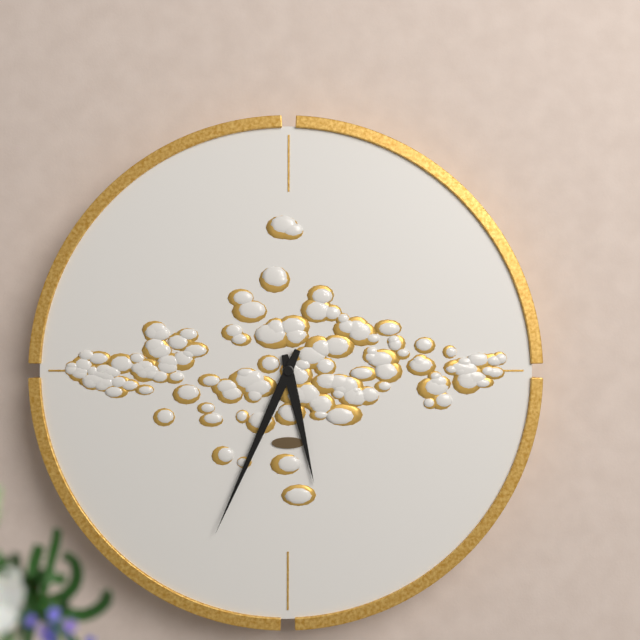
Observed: **5:34**
